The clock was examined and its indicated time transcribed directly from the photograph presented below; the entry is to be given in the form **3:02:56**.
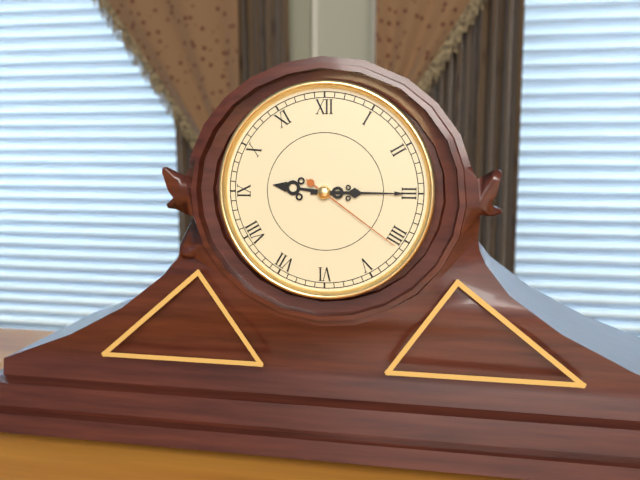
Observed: **9:15:21**
